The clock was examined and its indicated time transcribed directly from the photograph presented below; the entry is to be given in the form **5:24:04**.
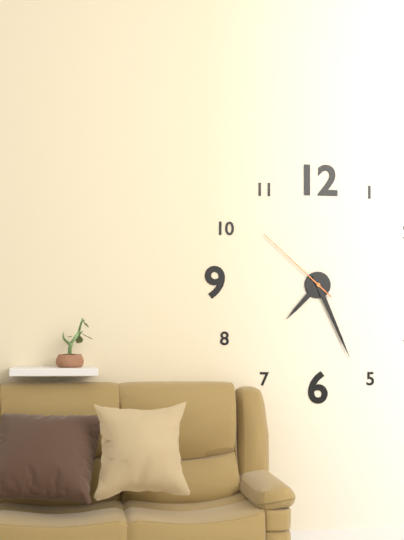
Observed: **7:26:52**
